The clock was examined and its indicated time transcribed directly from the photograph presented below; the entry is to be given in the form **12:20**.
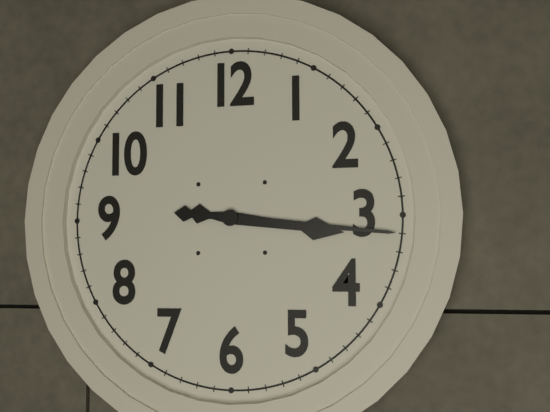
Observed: **3:16**
